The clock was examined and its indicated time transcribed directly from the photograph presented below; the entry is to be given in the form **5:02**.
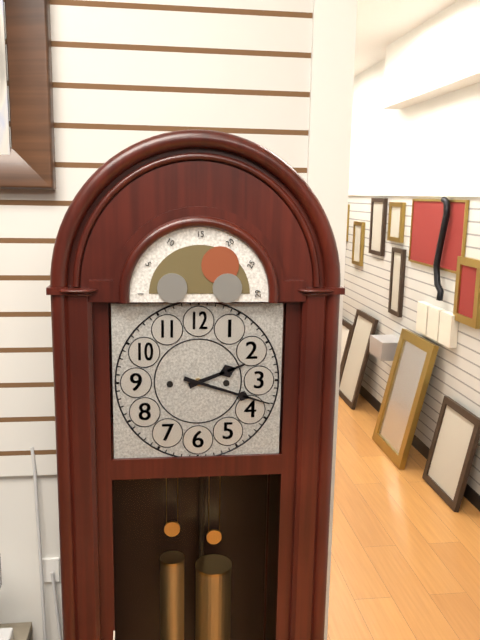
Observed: **2:18**
